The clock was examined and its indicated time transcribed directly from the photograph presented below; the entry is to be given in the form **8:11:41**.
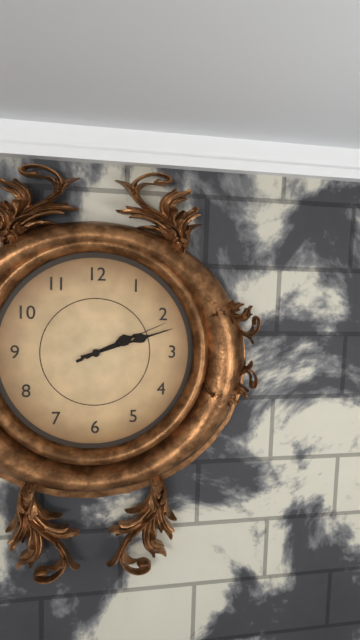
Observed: **2:12:11**
